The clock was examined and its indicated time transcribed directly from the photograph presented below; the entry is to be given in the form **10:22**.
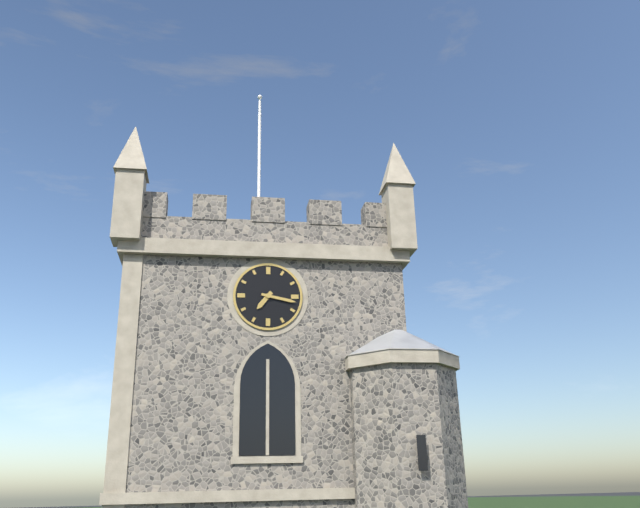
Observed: **7:17**
